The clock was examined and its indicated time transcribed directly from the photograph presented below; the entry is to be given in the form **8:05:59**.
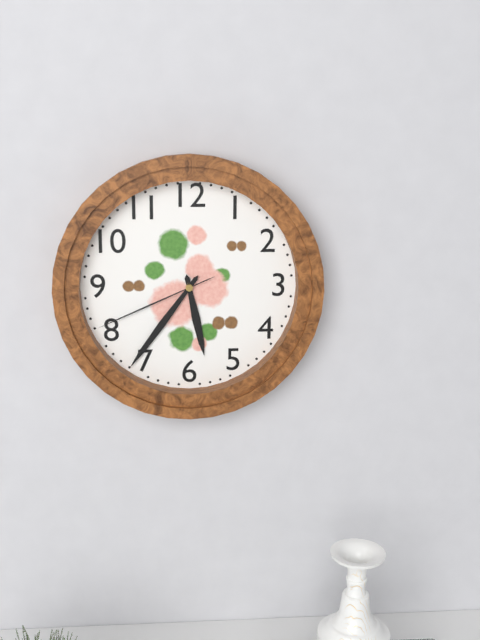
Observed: **5:36:41**
